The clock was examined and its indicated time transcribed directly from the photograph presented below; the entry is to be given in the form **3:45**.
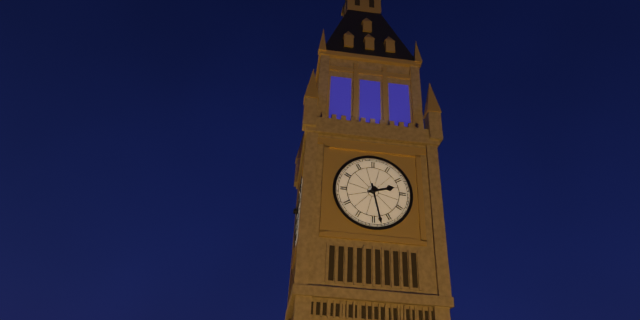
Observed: **2:28**
